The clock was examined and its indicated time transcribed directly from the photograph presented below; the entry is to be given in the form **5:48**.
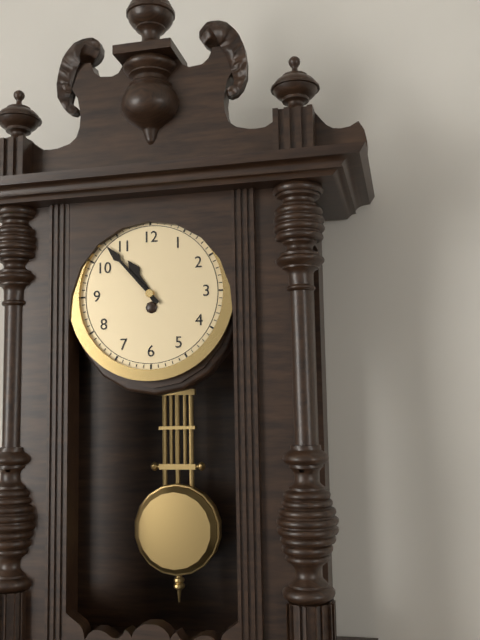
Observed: **10:53**
